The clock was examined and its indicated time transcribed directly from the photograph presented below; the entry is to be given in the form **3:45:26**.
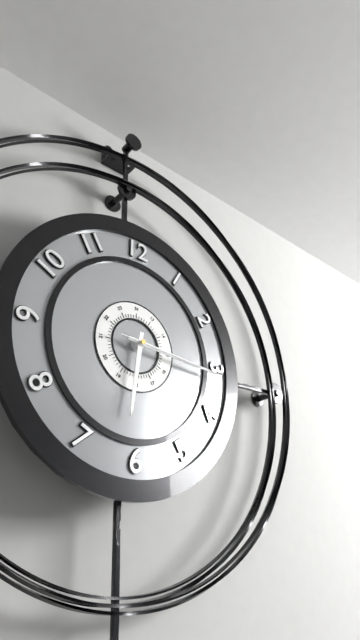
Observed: **6:16:16**
